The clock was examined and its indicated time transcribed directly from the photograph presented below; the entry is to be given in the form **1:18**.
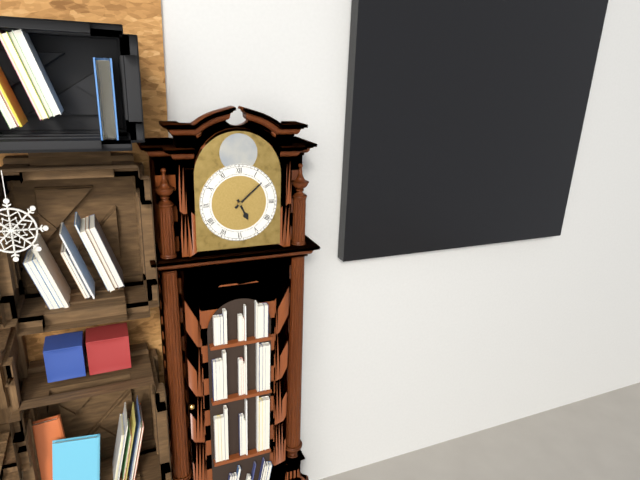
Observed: **5:08**
